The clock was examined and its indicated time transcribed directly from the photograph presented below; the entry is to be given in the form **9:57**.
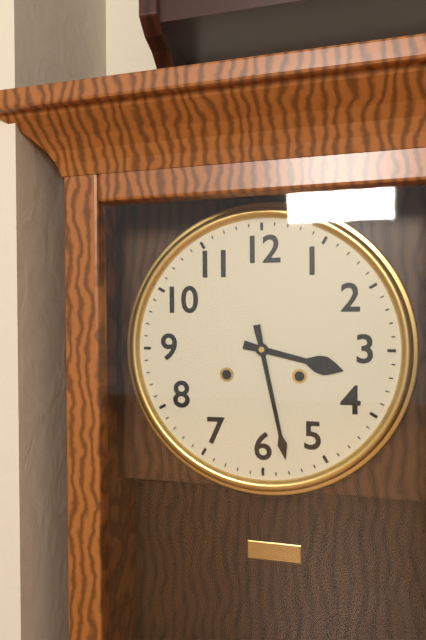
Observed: **3:28**
